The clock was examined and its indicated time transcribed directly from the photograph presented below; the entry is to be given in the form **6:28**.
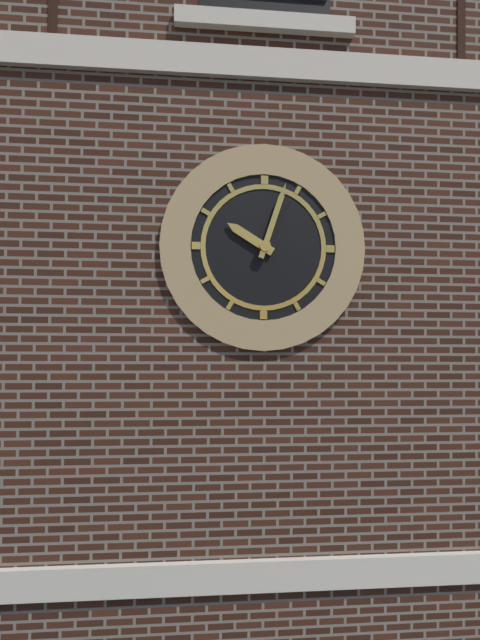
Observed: **10:03**
